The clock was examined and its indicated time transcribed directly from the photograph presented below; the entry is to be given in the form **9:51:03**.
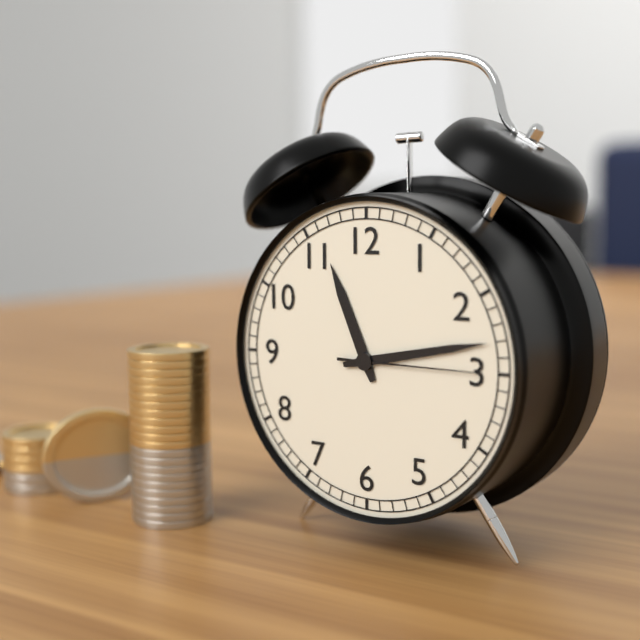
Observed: **11:13:15**
